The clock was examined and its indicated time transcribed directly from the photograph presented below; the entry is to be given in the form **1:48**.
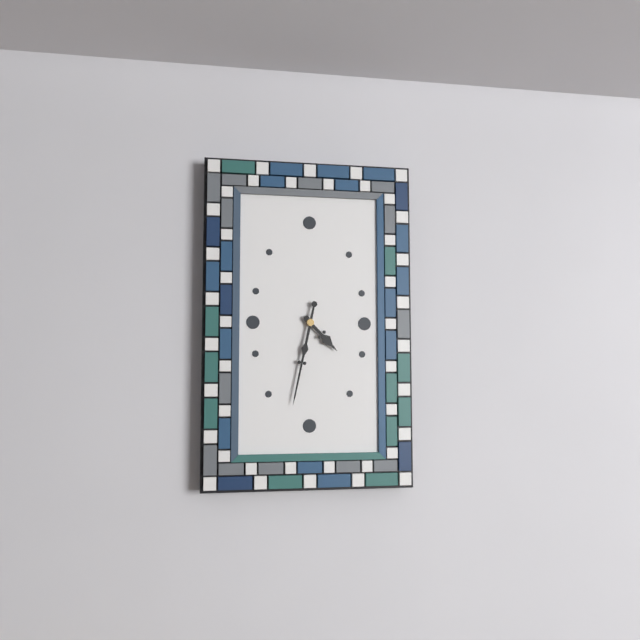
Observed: **4:32**
